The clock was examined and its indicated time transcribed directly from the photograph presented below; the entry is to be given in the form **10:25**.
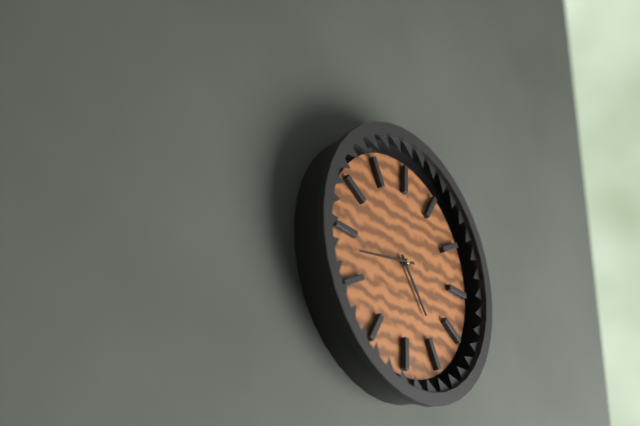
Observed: **4:43**
